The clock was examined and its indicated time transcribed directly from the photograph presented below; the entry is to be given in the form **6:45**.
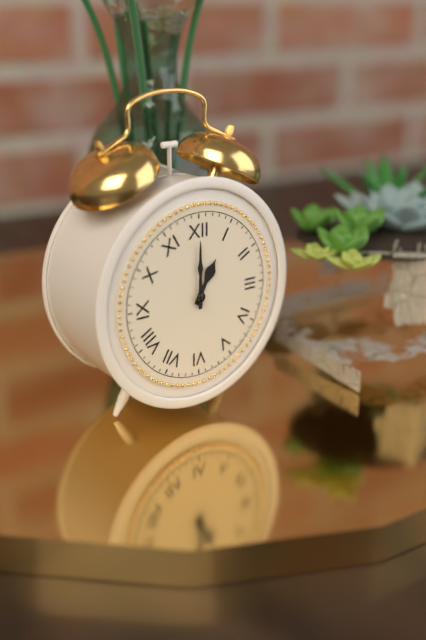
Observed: **1:00**
